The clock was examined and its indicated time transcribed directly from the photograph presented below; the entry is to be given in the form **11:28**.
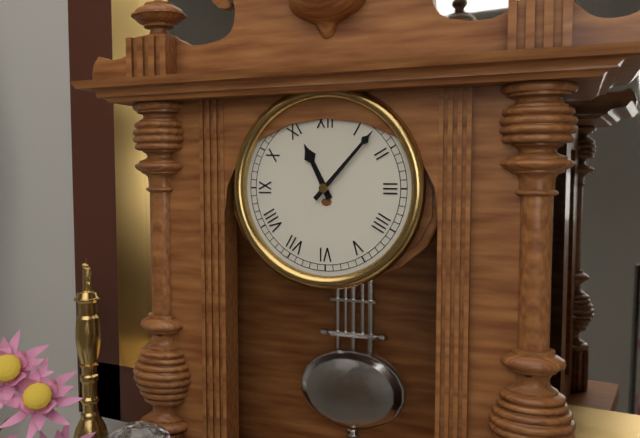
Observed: **11:07**
